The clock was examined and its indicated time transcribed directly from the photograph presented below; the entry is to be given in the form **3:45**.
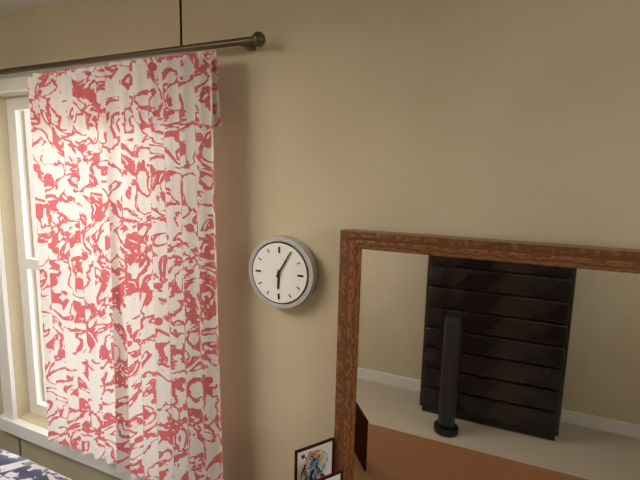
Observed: **6:05**
